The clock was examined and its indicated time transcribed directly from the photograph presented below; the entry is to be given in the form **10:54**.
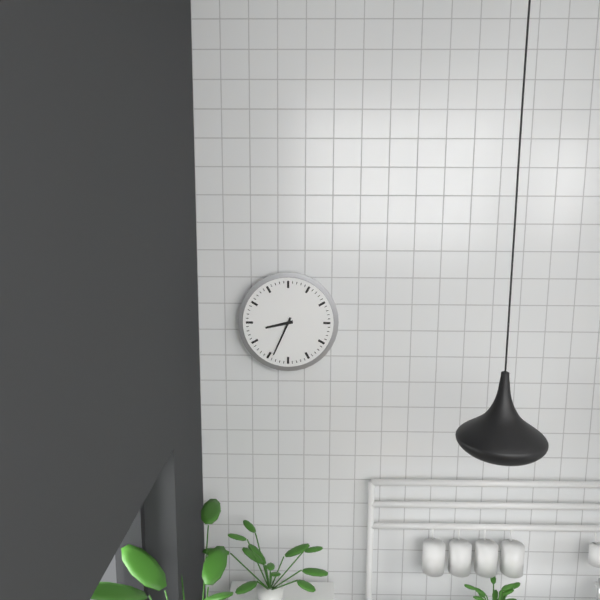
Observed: **8:34**
